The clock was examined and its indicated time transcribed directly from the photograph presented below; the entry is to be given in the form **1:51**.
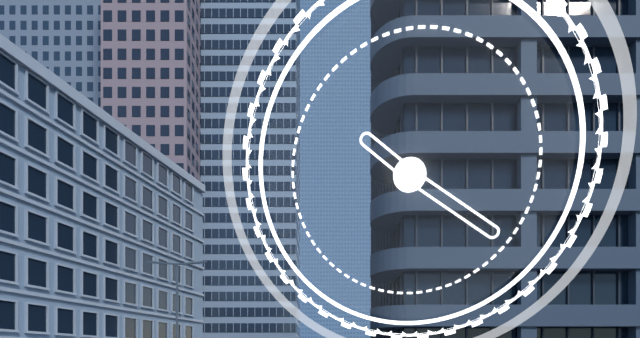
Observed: **10:21**
